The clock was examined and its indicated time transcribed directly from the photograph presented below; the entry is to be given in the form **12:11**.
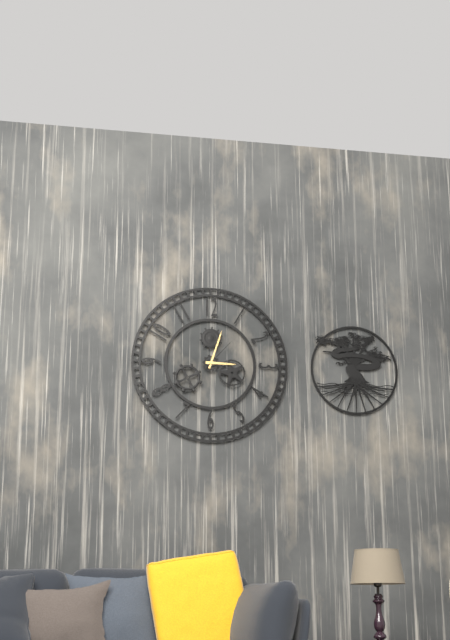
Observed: **3:03**
